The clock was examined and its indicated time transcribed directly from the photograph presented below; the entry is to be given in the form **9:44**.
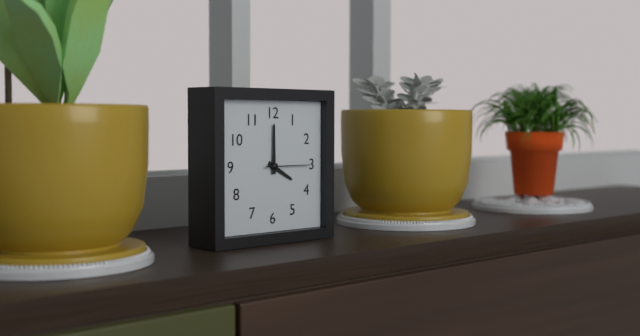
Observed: **4:00**
